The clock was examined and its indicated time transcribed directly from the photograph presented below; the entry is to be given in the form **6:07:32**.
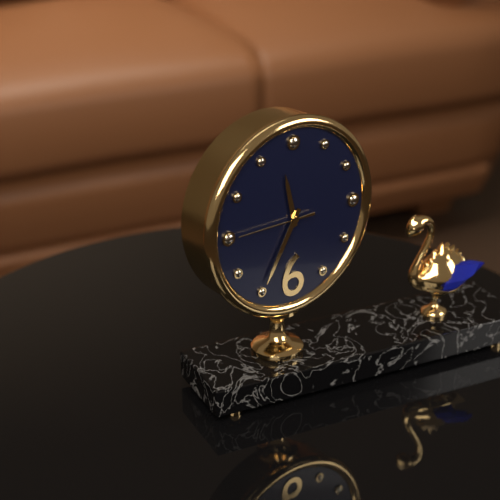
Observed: **11:35:45**
